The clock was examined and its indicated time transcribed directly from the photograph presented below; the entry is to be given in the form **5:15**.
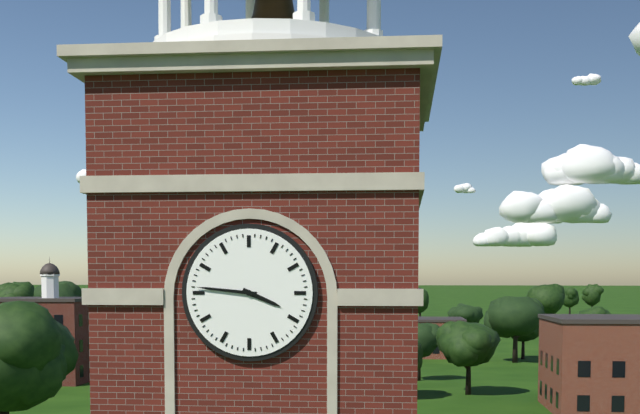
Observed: **3:46**
